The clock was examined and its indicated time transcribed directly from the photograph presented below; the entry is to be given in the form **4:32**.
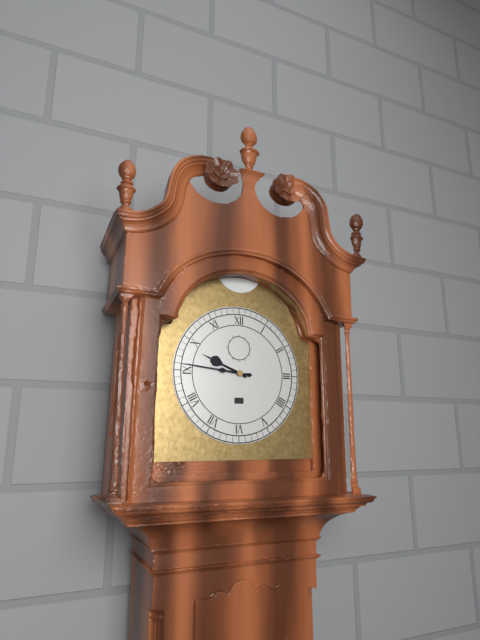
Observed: **9:46**
